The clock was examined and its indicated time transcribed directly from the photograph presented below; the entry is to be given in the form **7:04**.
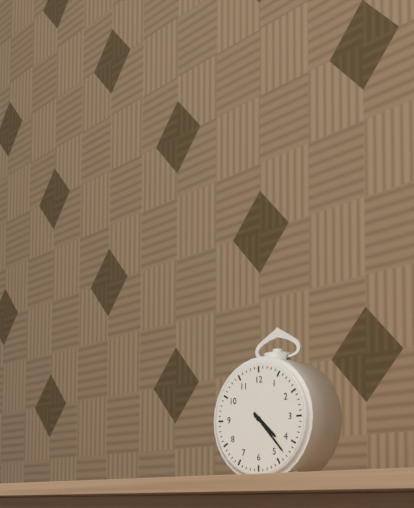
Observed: **4:23**
